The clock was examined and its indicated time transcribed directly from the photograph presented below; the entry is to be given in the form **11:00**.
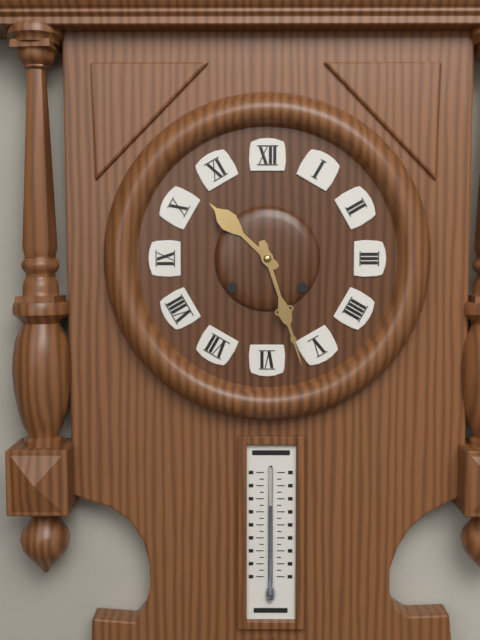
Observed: **10:27**
